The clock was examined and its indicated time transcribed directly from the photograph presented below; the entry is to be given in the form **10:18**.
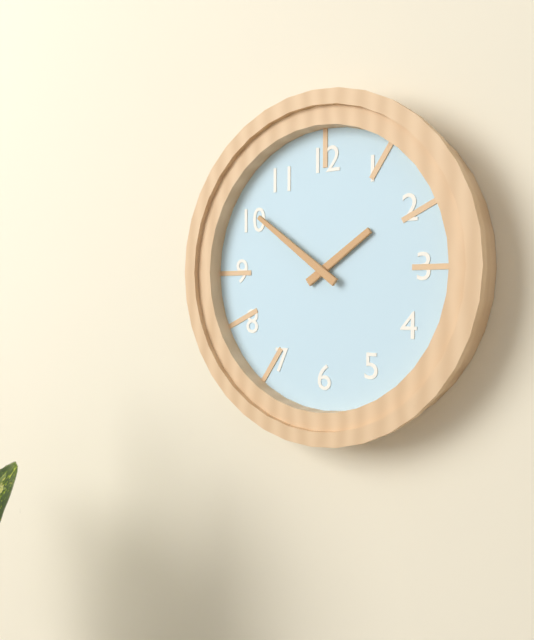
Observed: **1:51**
